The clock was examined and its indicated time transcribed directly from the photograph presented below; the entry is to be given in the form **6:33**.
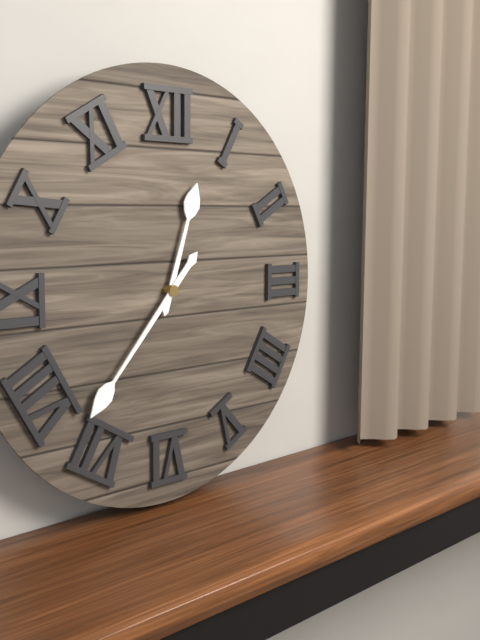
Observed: **12:37**
